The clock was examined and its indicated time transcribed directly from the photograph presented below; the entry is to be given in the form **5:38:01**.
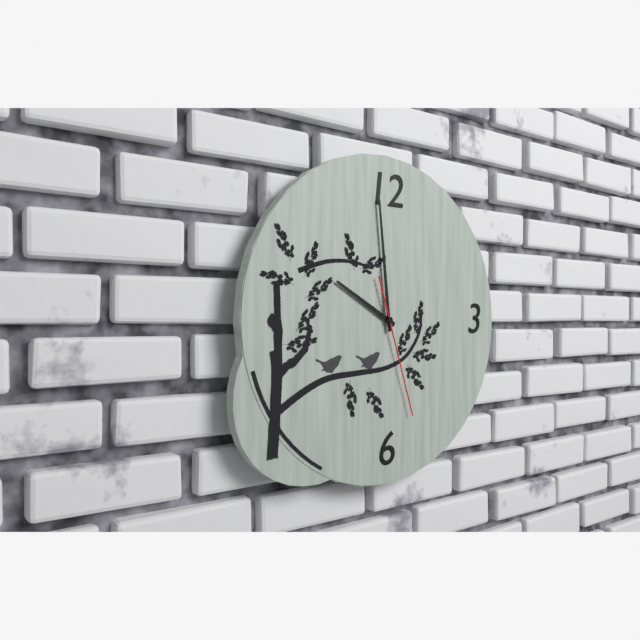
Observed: **9:59:27**
